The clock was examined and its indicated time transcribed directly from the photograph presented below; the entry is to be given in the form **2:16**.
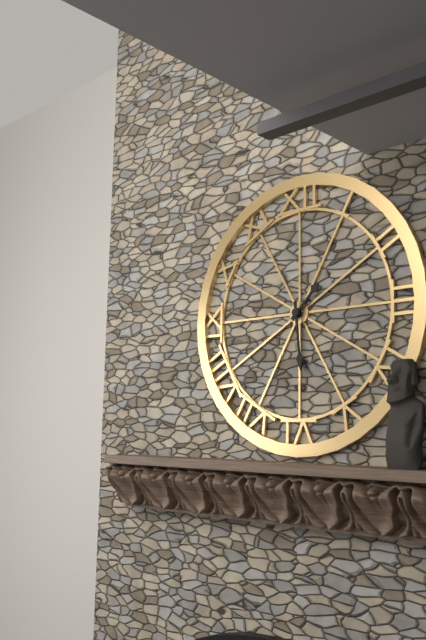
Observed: **1:29**
